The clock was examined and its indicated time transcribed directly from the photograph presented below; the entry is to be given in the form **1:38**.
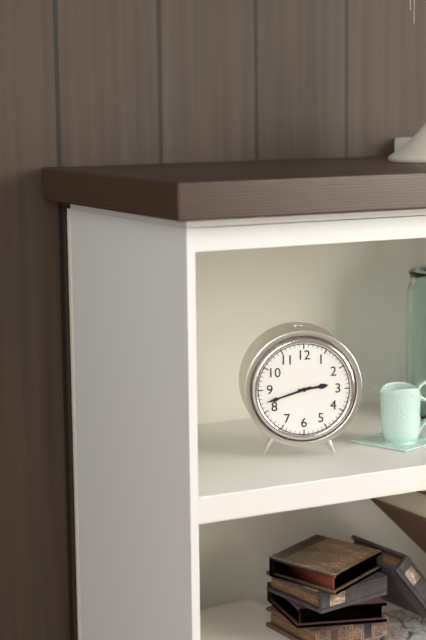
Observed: **2:42**
